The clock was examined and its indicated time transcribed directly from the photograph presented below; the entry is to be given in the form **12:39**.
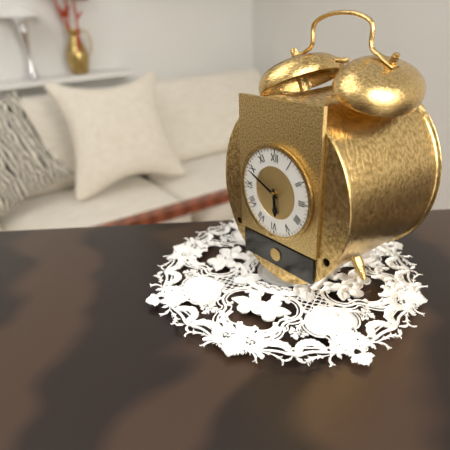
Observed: **5:49**
